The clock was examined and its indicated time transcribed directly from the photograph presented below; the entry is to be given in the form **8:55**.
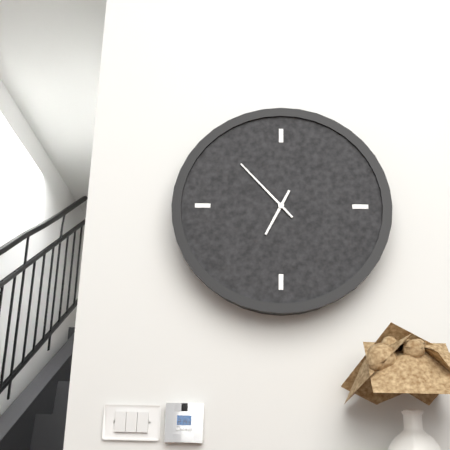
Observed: **6:53**
